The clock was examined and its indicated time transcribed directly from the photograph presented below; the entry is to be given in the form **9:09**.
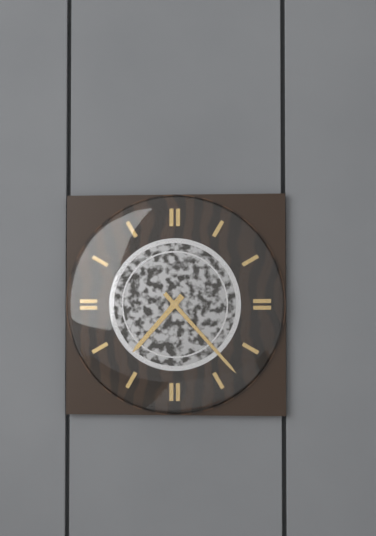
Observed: **7:23**
